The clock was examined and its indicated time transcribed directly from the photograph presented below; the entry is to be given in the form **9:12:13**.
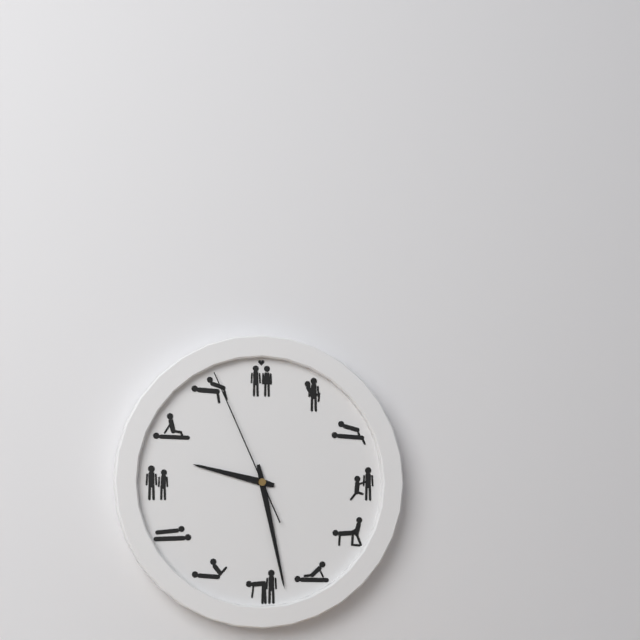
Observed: **9:28:56**
